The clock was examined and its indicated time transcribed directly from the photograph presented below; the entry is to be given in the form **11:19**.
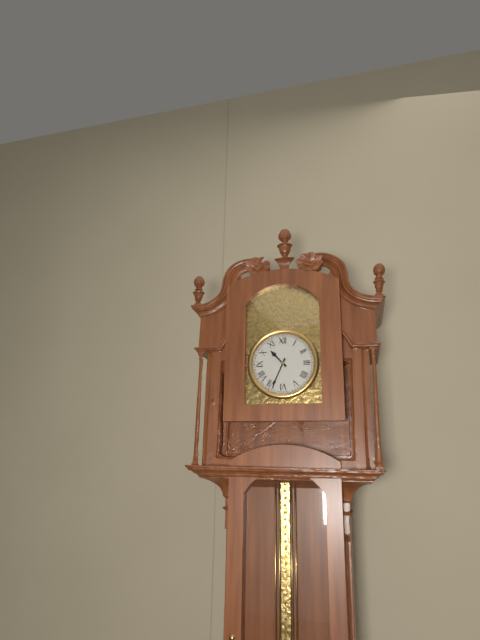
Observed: **10:34**
